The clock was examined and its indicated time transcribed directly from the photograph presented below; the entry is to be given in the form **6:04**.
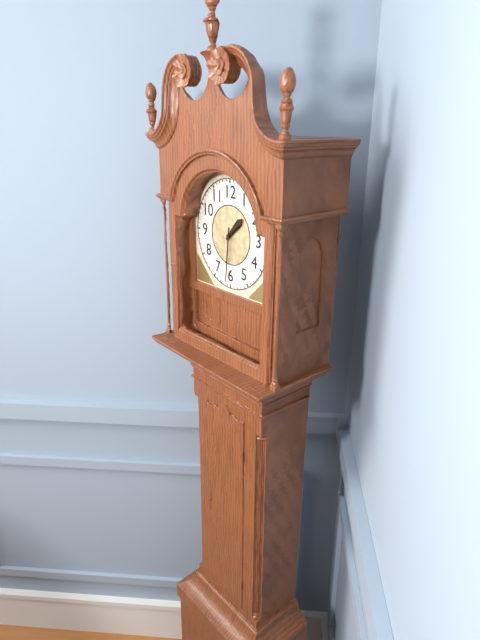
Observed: **1:31**
